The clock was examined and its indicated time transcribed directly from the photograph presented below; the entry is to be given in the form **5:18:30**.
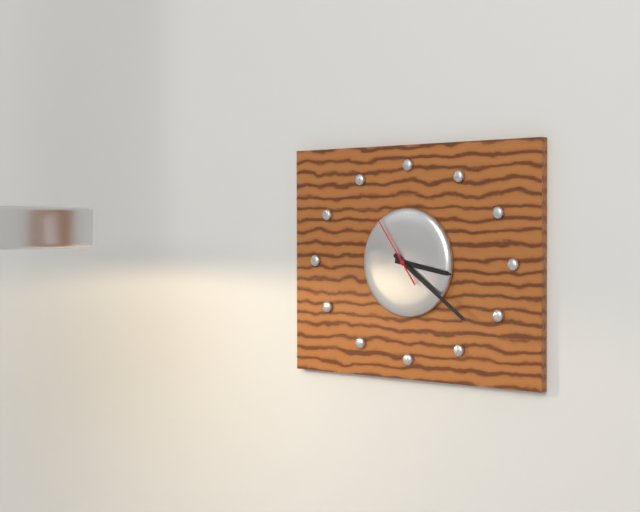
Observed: **3:21:54**
